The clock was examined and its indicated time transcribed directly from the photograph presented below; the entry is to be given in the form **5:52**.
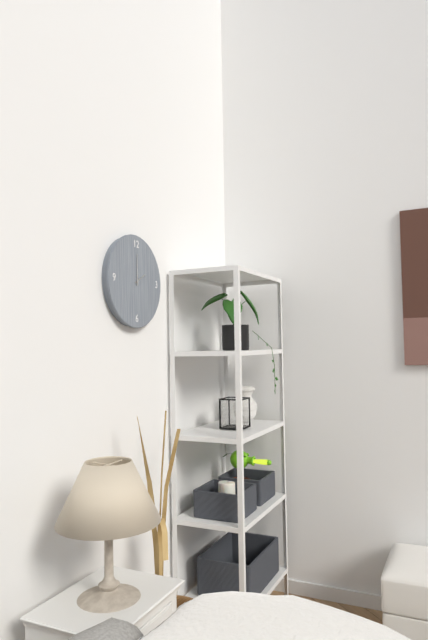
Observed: **2:00**
